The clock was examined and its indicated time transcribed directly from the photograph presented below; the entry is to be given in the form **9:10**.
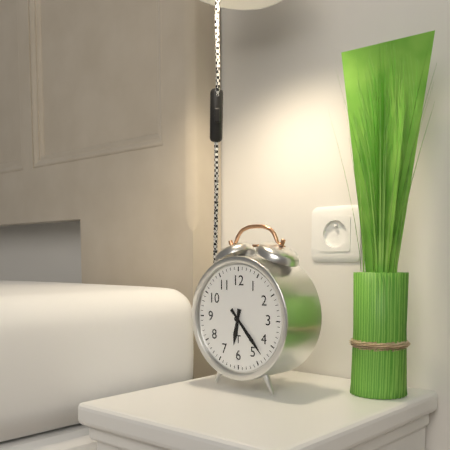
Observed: **6:23**
